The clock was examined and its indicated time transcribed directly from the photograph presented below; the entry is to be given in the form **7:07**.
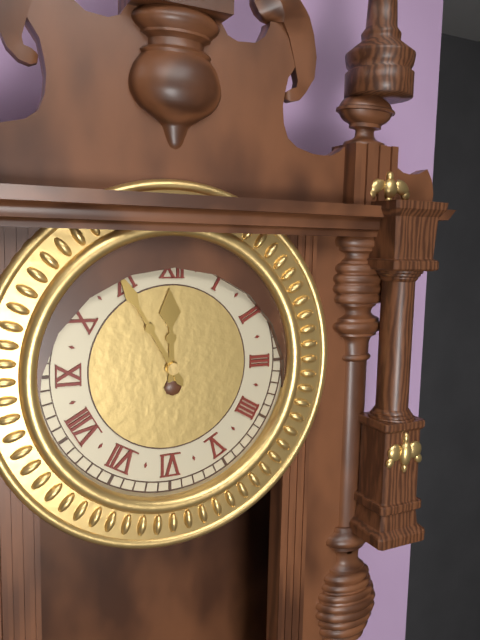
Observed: **11:55**
